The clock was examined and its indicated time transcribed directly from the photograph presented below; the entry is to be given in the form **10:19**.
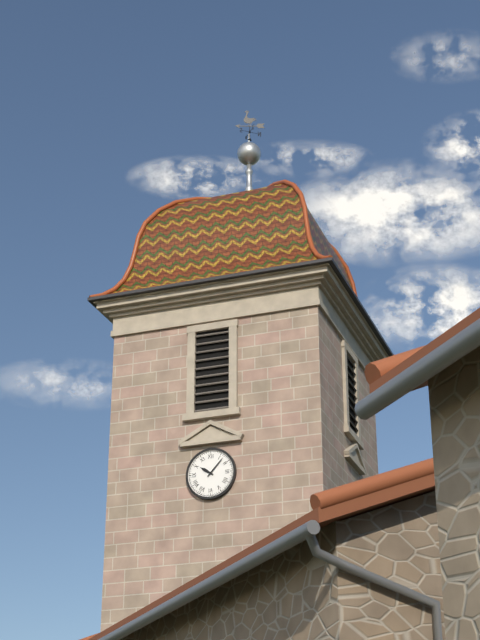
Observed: **10:07**
